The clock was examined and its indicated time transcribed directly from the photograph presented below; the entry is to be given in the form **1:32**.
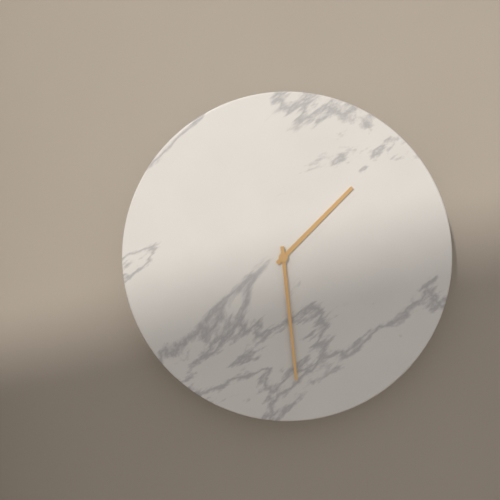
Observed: **1:29**
